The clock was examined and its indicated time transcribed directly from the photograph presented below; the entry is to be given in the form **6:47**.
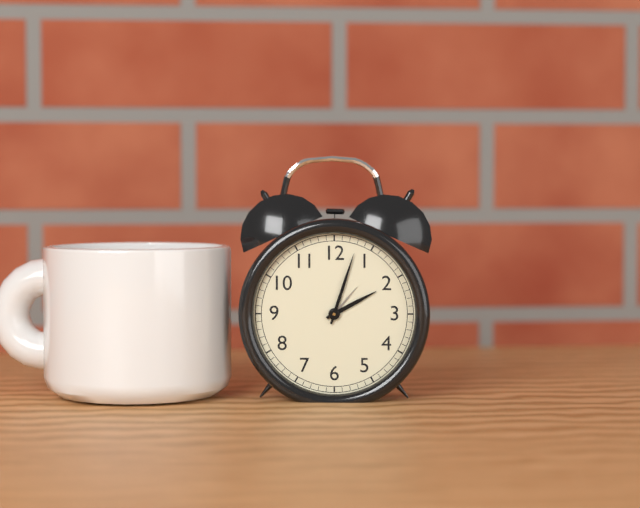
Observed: **2:03**
